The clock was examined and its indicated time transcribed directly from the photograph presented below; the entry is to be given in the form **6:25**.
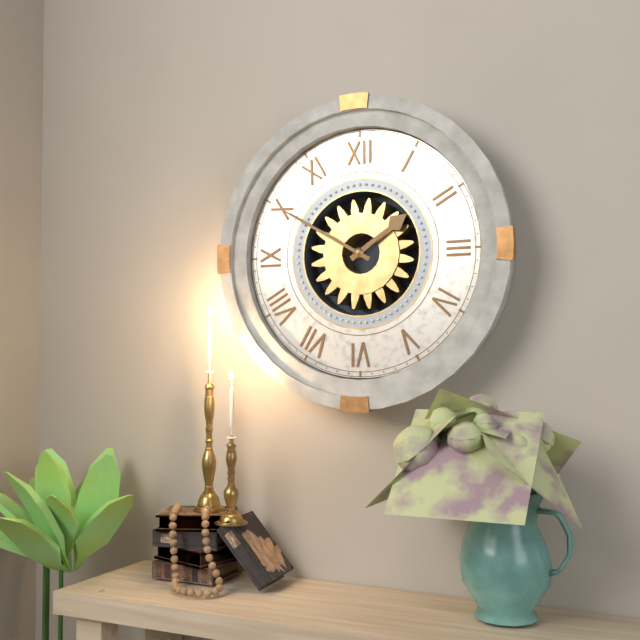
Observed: **1:50**
